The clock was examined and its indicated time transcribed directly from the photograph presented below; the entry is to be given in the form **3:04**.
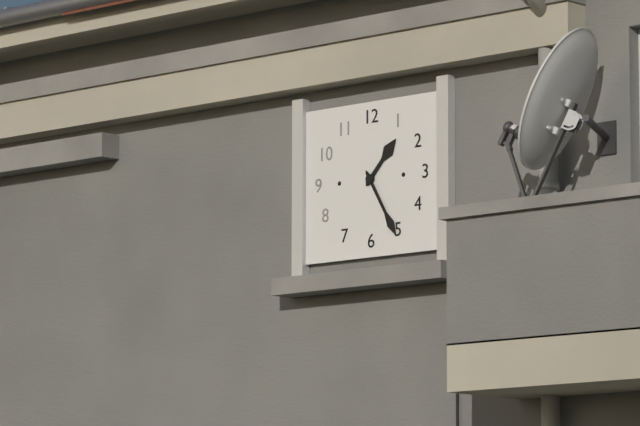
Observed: **1:25**
